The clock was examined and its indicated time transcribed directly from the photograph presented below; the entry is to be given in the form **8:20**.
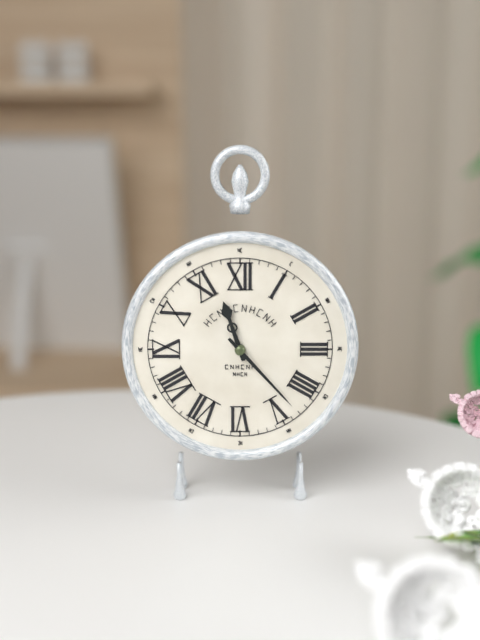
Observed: **11:23**
